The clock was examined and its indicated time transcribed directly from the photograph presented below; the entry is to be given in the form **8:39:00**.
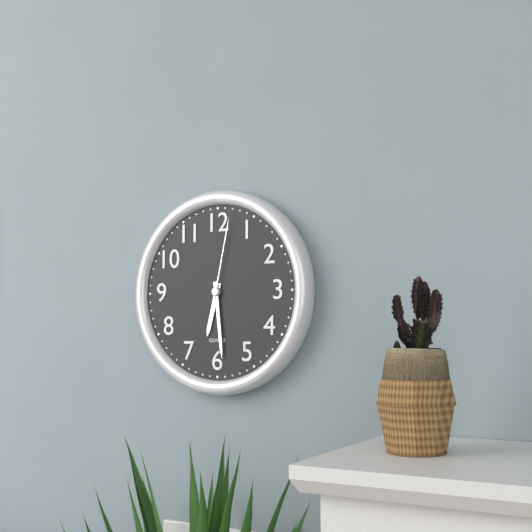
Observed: **6:29:02**
